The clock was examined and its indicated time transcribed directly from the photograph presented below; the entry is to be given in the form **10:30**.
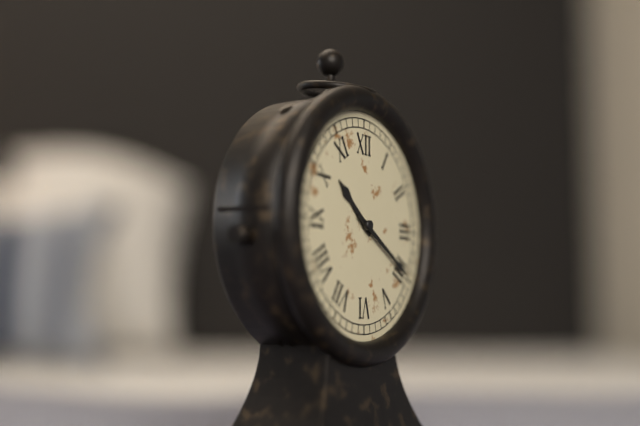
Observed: **10:20**
